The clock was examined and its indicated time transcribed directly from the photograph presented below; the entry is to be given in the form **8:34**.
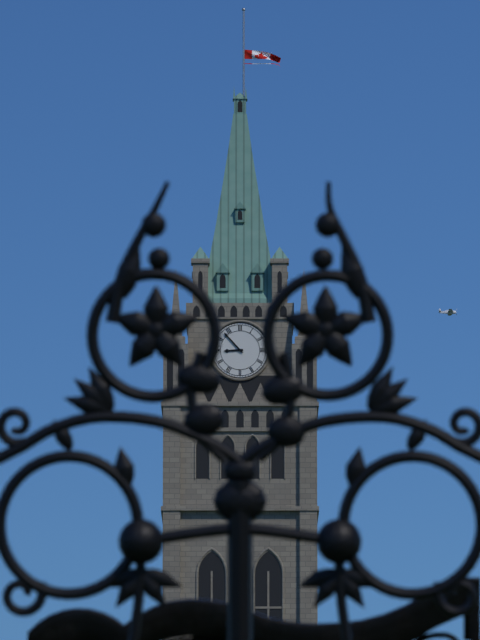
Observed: **8:53**
